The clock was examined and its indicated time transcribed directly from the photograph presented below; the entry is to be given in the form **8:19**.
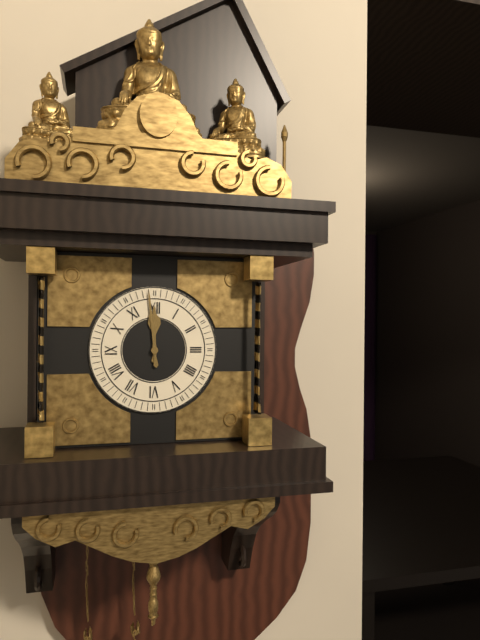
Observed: **11:59**
